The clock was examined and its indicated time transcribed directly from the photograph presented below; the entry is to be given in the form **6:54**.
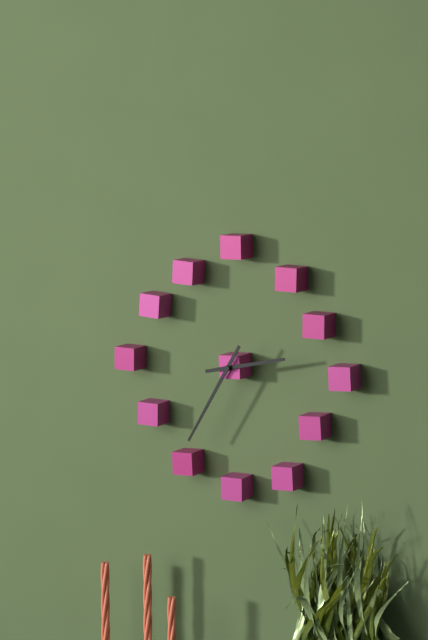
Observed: **2:35**
